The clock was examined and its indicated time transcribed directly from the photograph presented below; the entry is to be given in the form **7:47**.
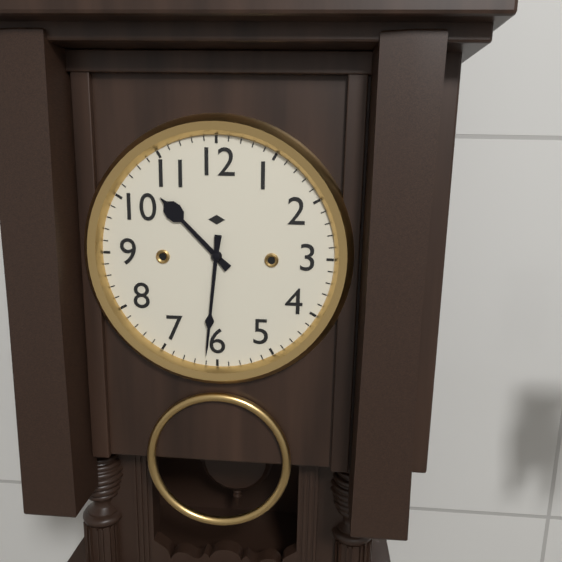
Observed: **10:31**
